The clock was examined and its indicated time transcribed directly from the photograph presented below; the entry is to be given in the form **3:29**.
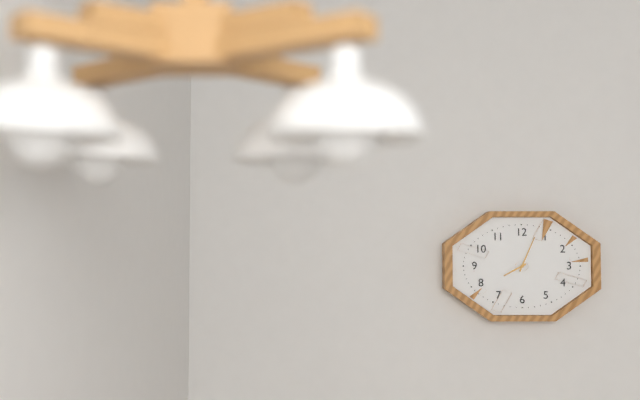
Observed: **8:04**
